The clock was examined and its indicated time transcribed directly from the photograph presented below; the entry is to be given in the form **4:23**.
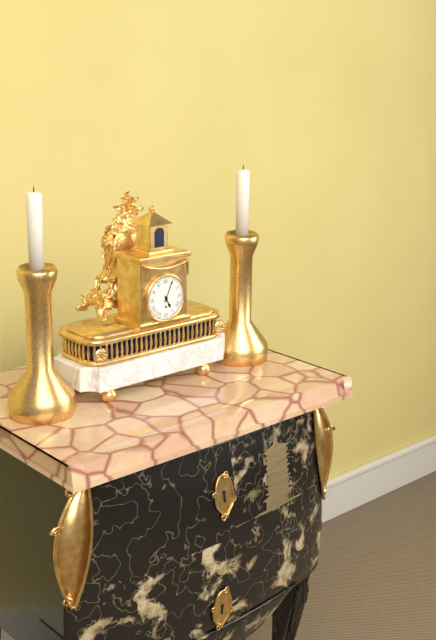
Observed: **5:04**
